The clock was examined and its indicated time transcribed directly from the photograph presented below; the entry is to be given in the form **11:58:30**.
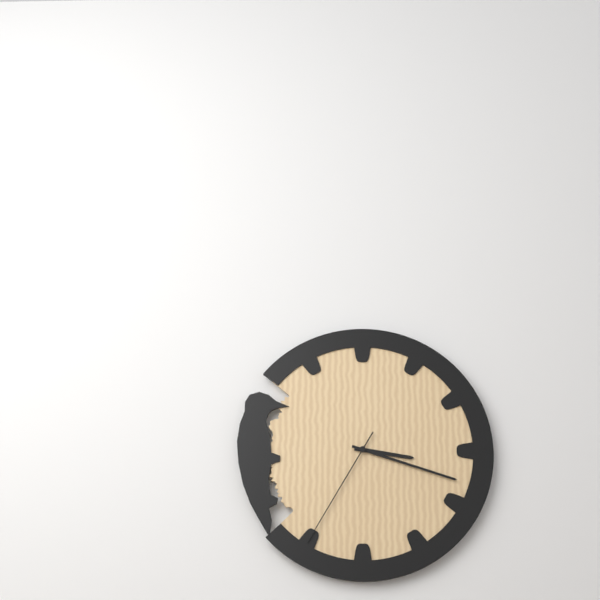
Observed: **3:18:35**
